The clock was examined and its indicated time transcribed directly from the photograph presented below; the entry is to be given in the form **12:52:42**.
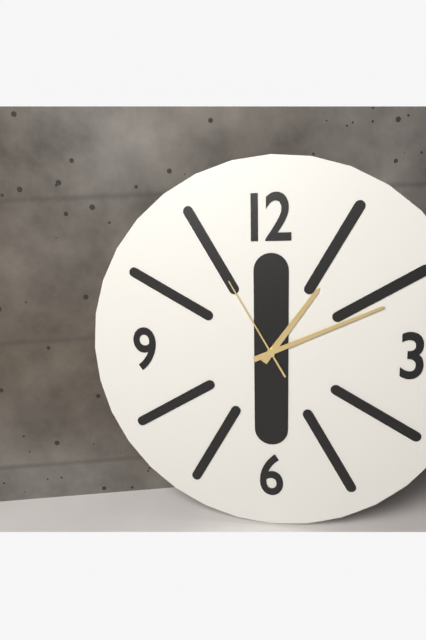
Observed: **1:11:55**
